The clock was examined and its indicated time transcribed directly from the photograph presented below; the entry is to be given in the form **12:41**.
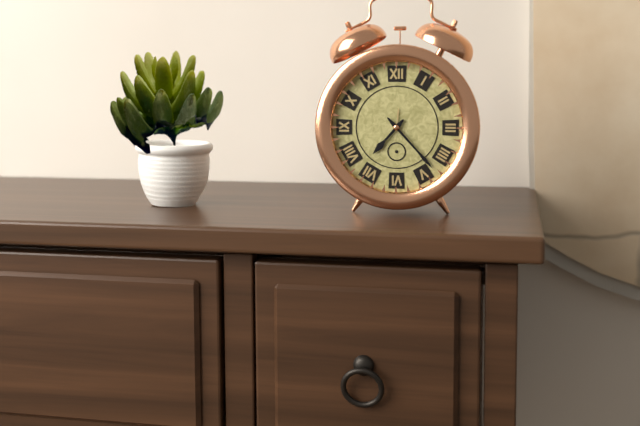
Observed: **7:23**
